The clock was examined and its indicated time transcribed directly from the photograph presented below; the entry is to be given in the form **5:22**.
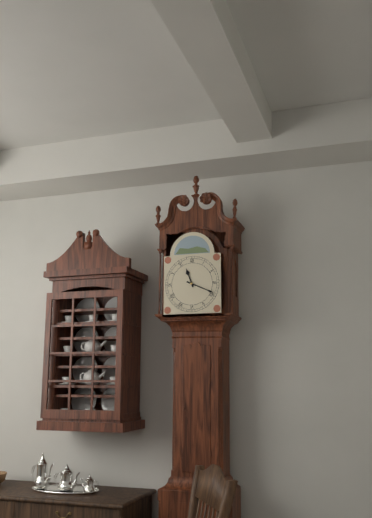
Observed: **11:19**
